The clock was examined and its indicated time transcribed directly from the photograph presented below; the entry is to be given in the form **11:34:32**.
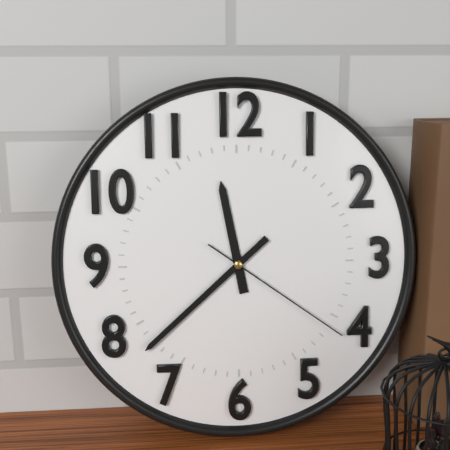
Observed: **11:38:21**
